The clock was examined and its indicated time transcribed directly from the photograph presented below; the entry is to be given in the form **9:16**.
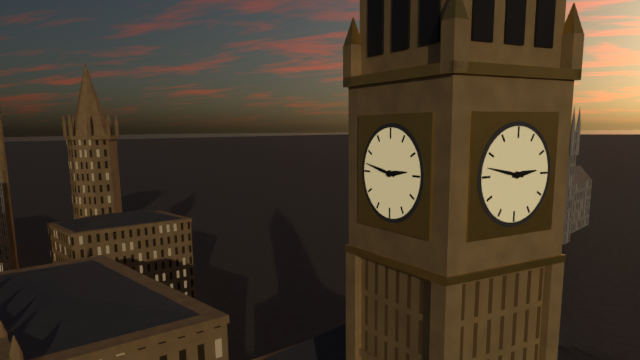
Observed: **2:47**
